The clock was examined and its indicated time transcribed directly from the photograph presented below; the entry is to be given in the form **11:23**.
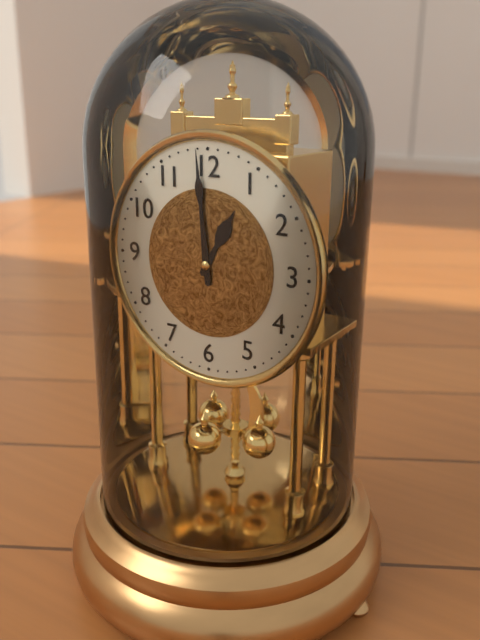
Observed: **12:59**
